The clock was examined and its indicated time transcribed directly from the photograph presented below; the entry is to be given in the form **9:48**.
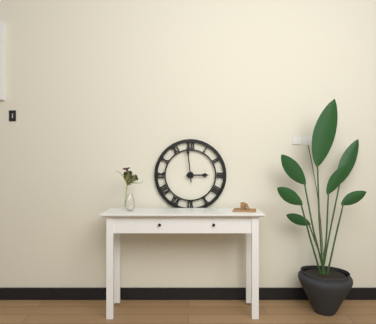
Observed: **2:59**
